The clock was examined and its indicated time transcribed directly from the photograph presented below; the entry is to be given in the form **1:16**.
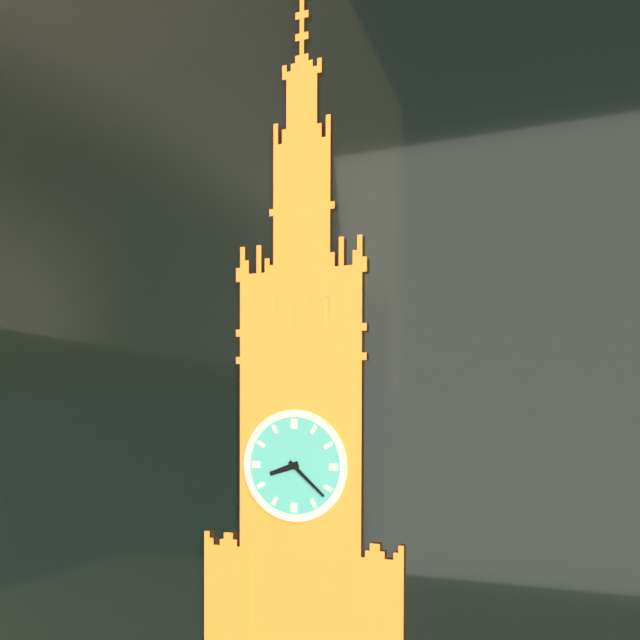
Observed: **8:22**
